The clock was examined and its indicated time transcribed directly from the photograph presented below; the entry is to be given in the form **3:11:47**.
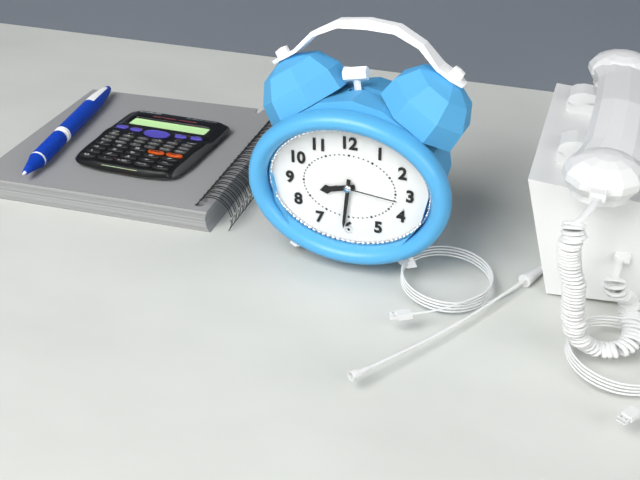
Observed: **8:31:16**
